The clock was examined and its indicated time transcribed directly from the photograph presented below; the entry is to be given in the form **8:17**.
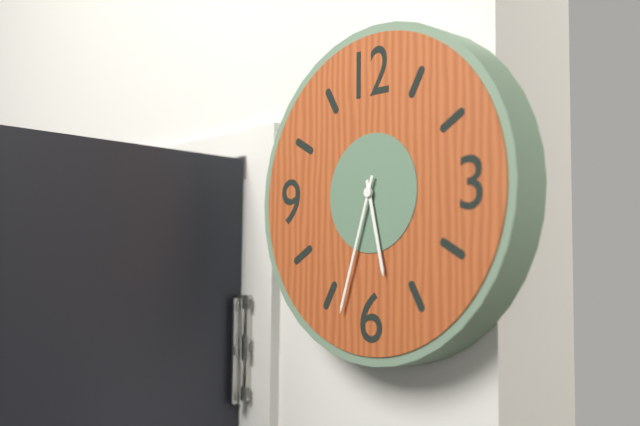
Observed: **5:33**
